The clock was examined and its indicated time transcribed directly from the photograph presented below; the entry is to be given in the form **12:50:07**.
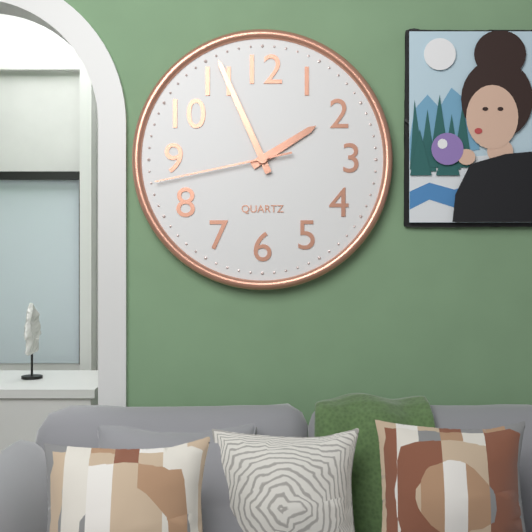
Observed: **1:56:43**
